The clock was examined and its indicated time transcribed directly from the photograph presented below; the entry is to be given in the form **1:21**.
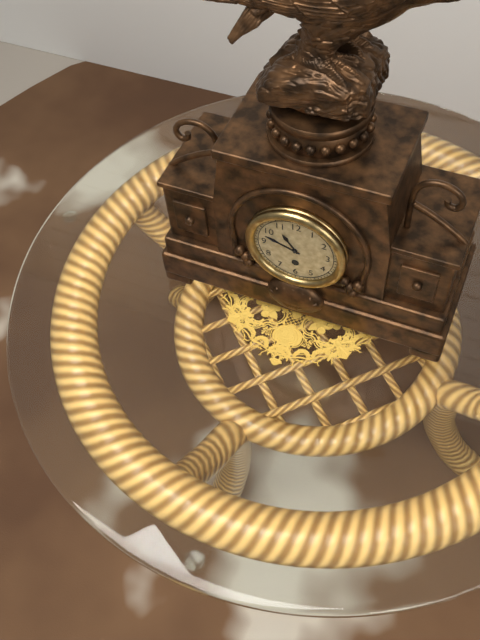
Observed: **10:48**
